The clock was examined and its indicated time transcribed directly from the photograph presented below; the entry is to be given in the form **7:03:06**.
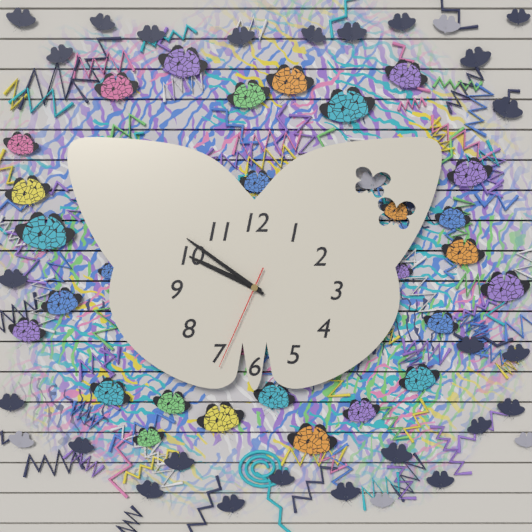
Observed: **9:51:34**
